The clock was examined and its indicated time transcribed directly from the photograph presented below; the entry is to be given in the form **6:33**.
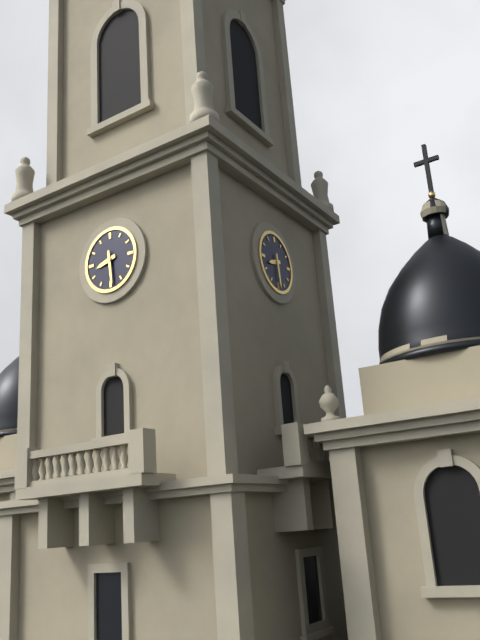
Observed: **8:29**
